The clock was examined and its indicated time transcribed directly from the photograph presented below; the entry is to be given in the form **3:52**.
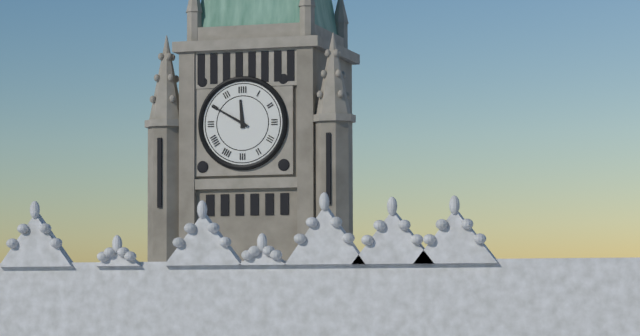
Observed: **11:50**
